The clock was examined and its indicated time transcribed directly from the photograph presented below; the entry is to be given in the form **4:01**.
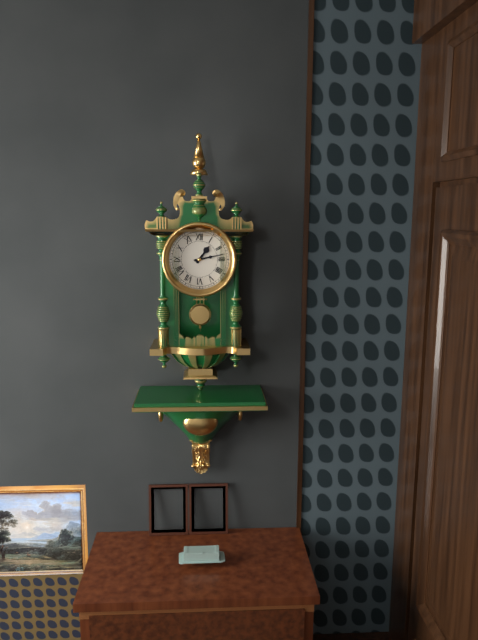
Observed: **1:13**
